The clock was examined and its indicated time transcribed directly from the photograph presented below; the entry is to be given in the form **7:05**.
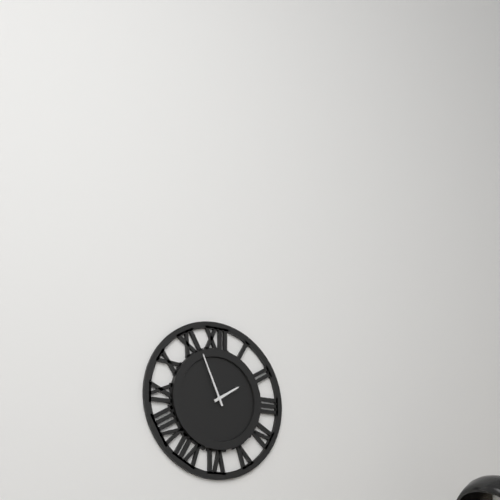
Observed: **1:56**
